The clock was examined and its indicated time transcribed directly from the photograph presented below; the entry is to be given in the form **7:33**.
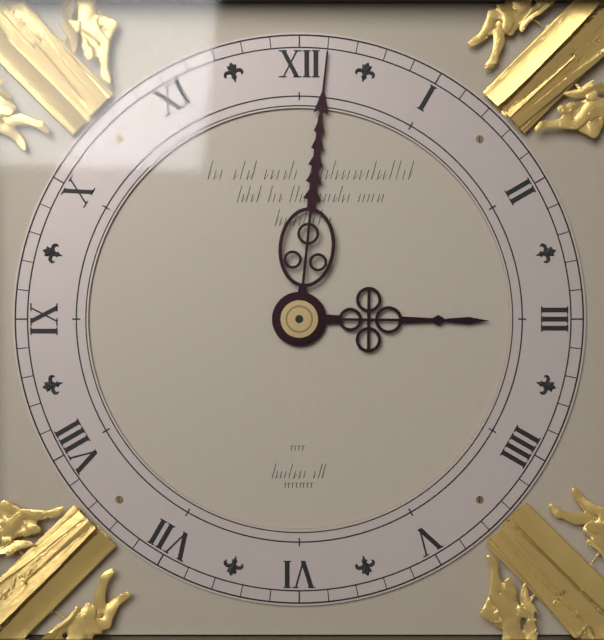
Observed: **3:01**
